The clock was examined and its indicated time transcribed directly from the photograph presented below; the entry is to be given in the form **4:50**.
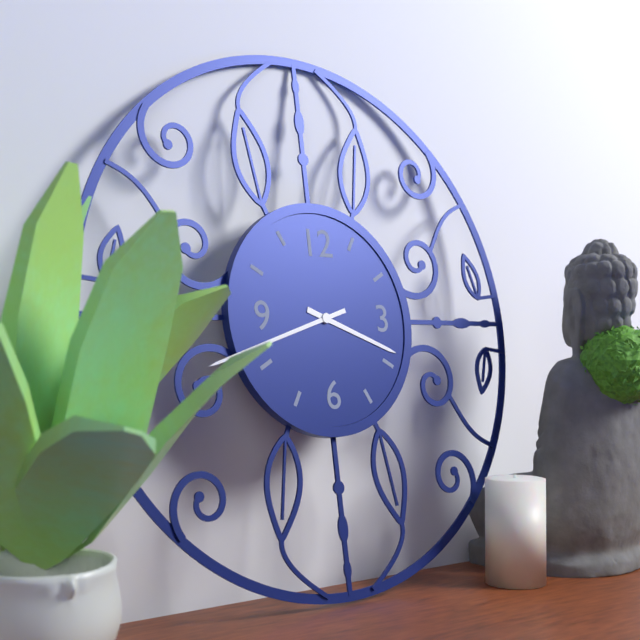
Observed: **3:42**
